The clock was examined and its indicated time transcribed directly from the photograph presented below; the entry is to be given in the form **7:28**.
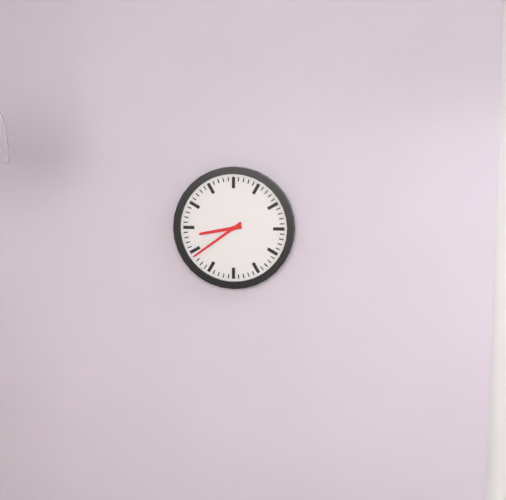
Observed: **8:39**
